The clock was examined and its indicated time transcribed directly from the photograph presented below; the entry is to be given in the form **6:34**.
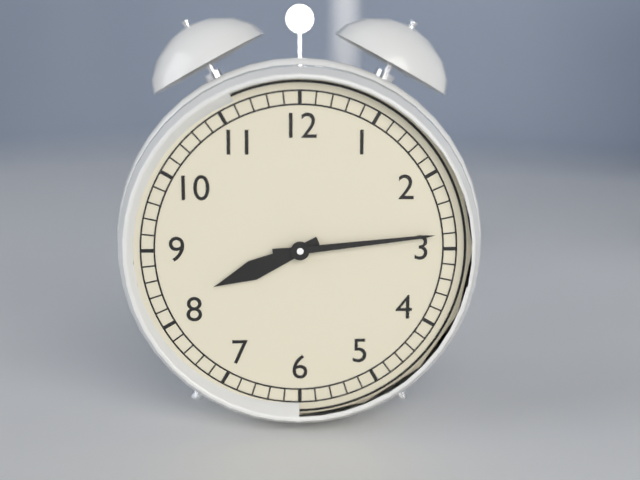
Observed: **8:14**
